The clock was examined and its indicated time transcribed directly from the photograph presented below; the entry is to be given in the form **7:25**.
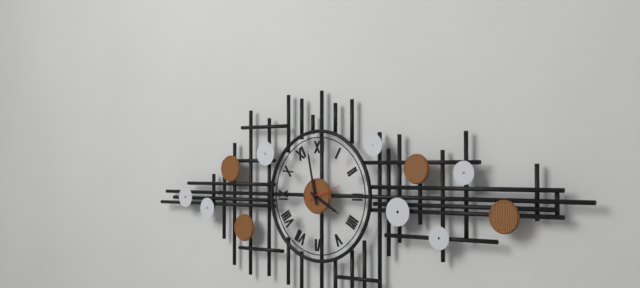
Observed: **3:58**
